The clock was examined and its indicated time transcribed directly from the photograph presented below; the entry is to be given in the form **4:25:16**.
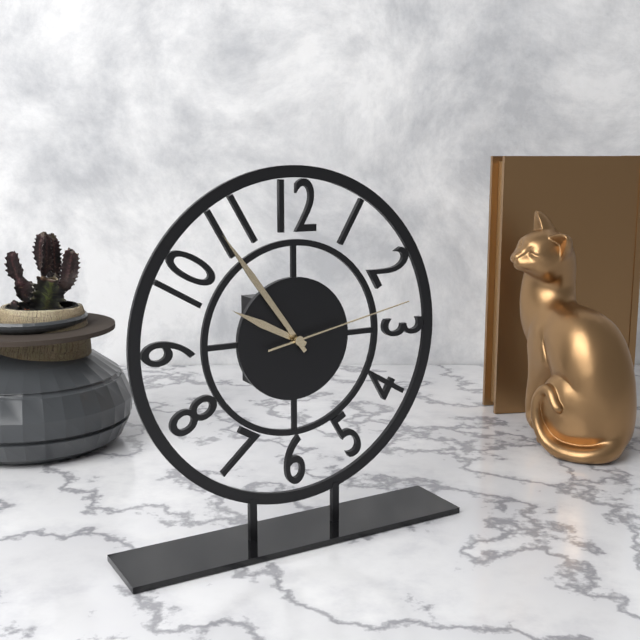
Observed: **9:54:13**
